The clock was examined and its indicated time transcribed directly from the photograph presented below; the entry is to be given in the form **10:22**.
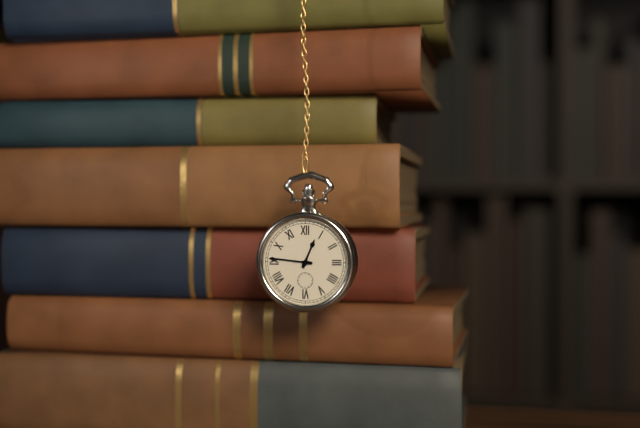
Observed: **12:46**
